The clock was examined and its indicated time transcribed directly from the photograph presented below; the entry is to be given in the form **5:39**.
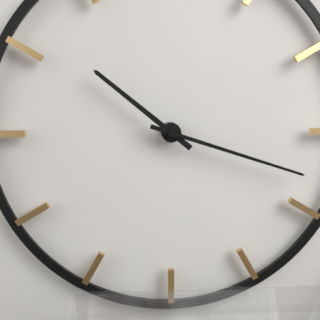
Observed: **10:18**
